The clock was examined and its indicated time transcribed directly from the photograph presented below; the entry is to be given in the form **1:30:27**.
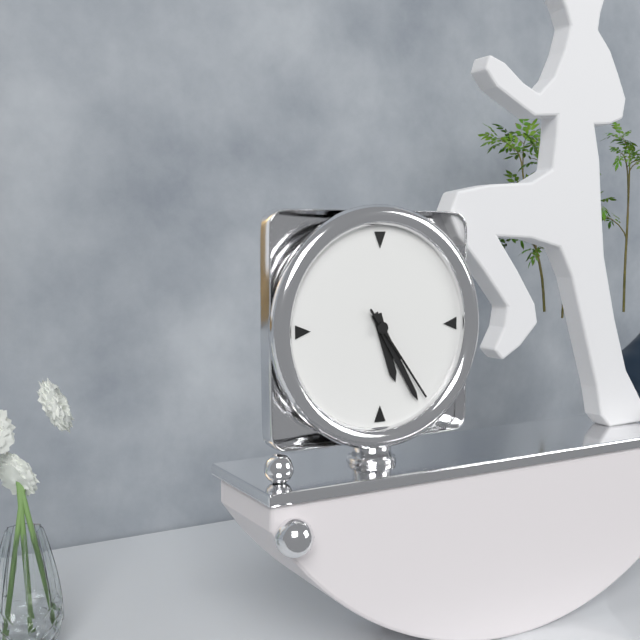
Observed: **5:25:24**
